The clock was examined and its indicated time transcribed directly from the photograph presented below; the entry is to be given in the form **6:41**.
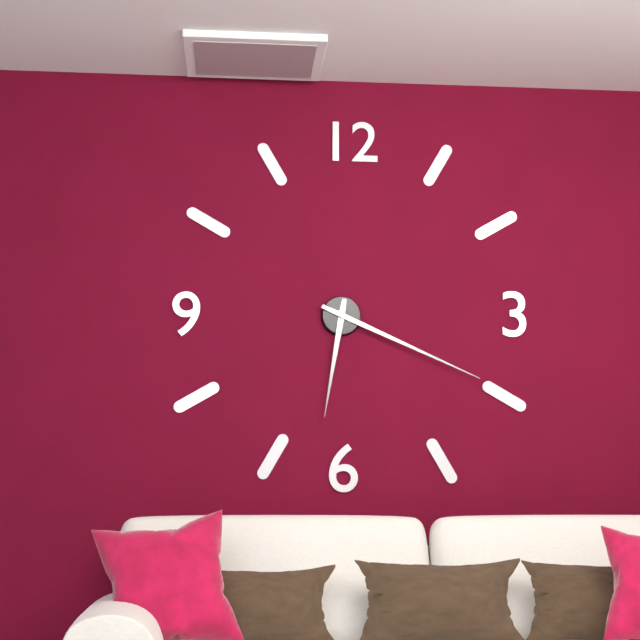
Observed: **6:19**
